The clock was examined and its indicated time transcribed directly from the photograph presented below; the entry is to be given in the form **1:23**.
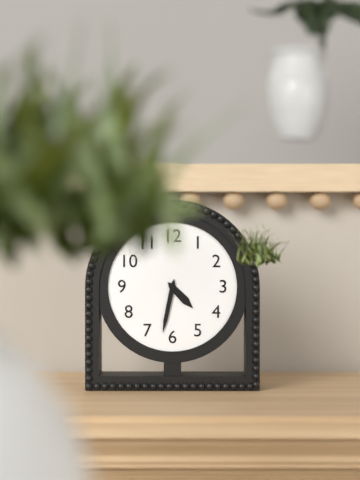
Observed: **4:32**
